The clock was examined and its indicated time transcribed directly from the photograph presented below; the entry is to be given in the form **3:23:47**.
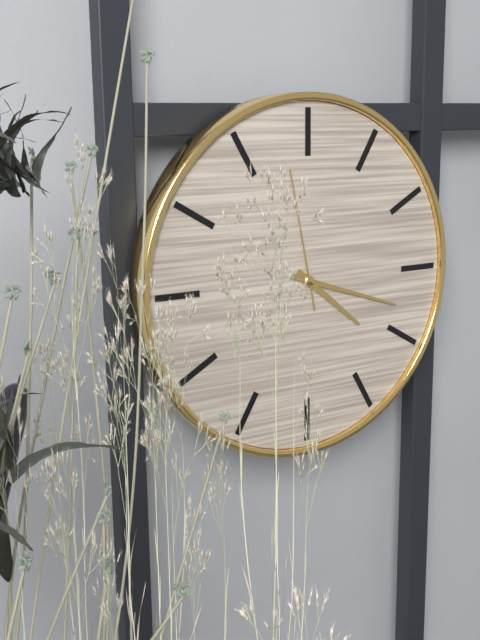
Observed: **4:18:58**
